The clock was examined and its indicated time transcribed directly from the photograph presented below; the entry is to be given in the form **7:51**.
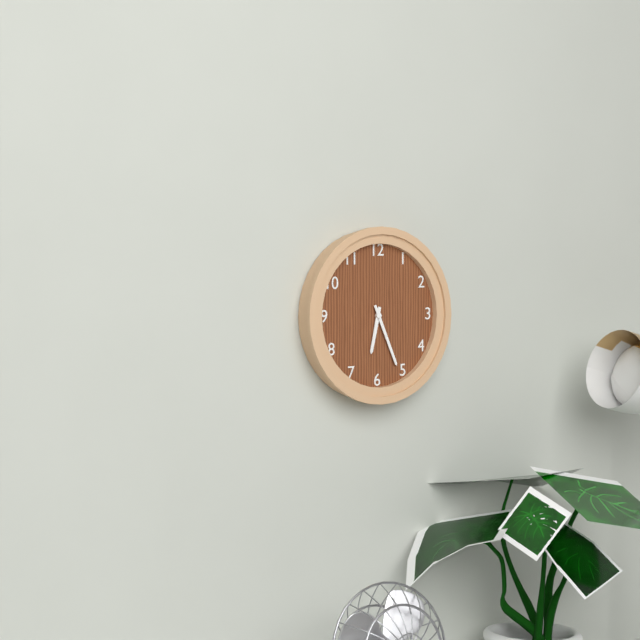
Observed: **6:26**
